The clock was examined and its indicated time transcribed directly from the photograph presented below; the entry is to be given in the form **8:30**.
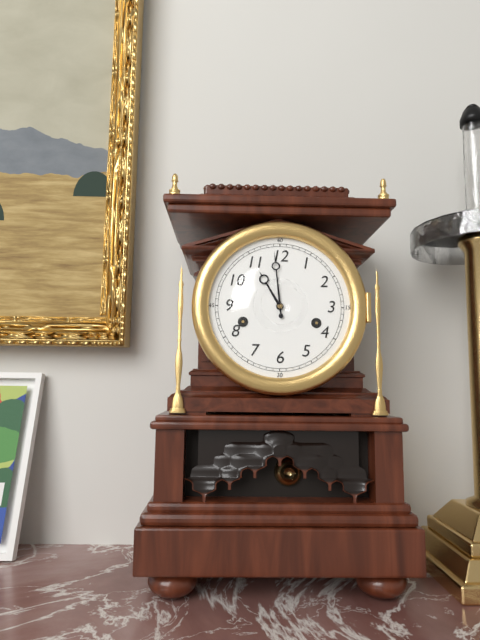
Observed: **10:59**
